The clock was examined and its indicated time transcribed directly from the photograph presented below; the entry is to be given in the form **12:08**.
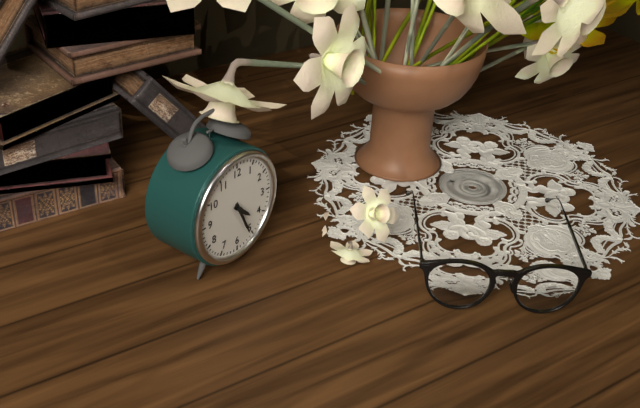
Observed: **4:26**
